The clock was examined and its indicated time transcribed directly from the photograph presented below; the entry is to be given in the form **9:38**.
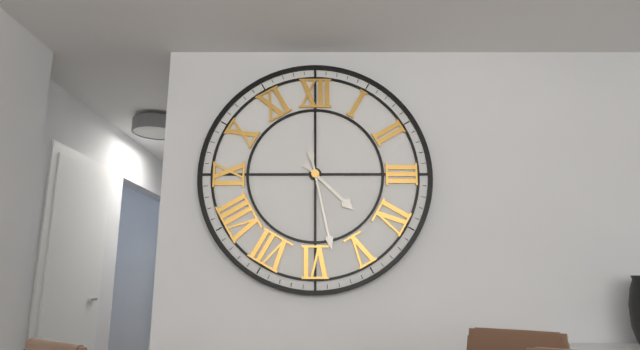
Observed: **4:28**
